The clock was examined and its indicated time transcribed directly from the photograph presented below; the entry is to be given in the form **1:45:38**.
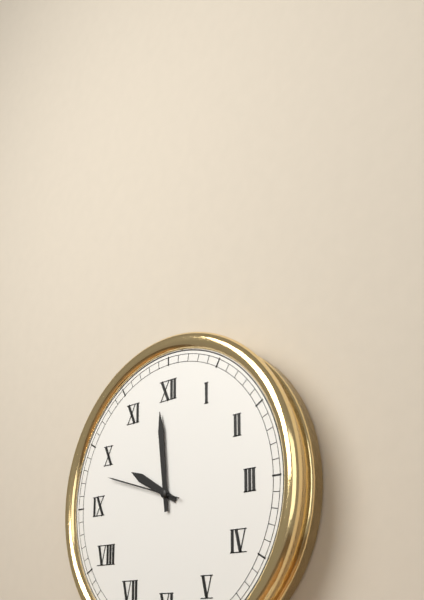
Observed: **9:59:48**
